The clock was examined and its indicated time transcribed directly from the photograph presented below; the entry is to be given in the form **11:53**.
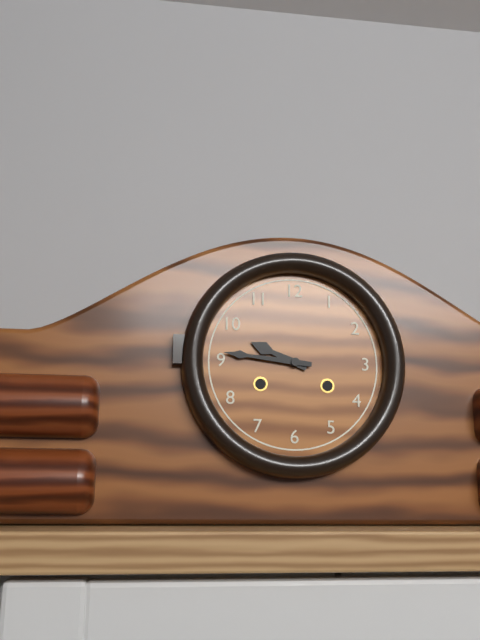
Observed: **9:46**
